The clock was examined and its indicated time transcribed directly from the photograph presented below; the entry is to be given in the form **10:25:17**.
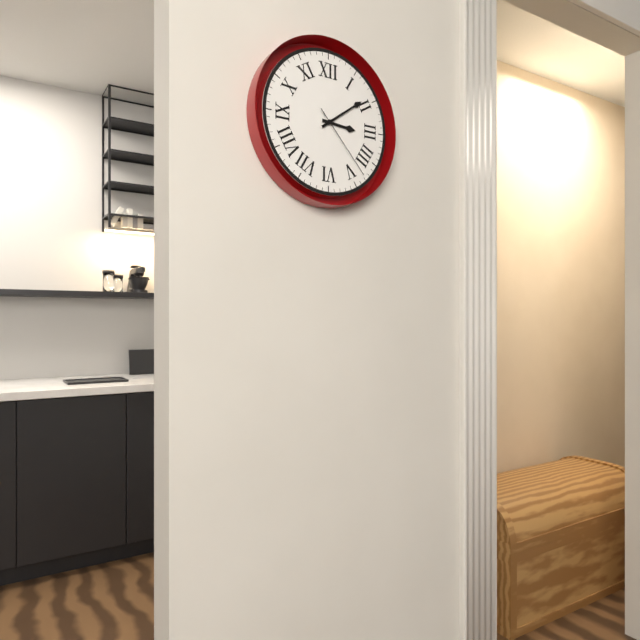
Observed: **3:09:23**
